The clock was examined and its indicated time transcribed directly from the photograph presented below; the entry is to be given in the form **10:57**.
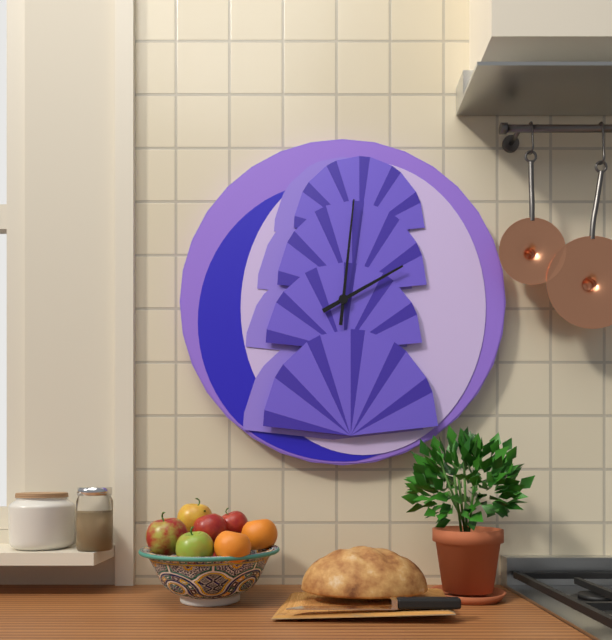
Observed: **2:01**
